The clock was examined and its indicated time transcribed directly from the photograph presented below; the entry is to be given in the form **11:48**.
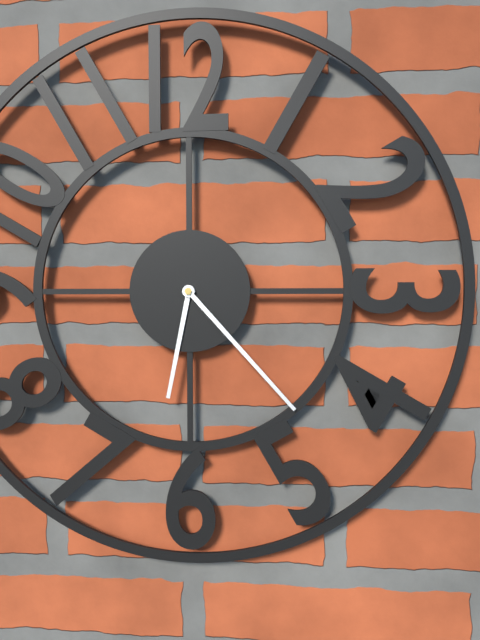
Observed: **6:23**
